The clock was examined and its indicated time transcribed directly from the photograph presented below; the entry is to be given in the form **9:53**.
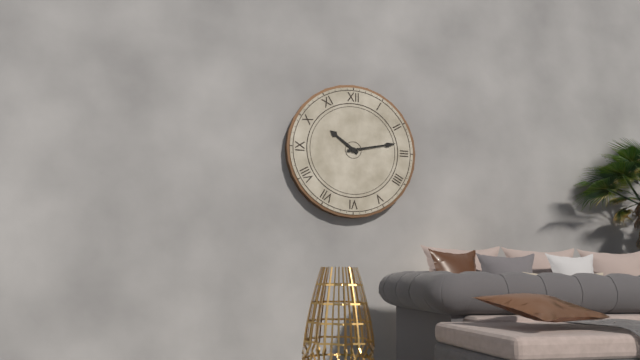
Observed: **10:13**
